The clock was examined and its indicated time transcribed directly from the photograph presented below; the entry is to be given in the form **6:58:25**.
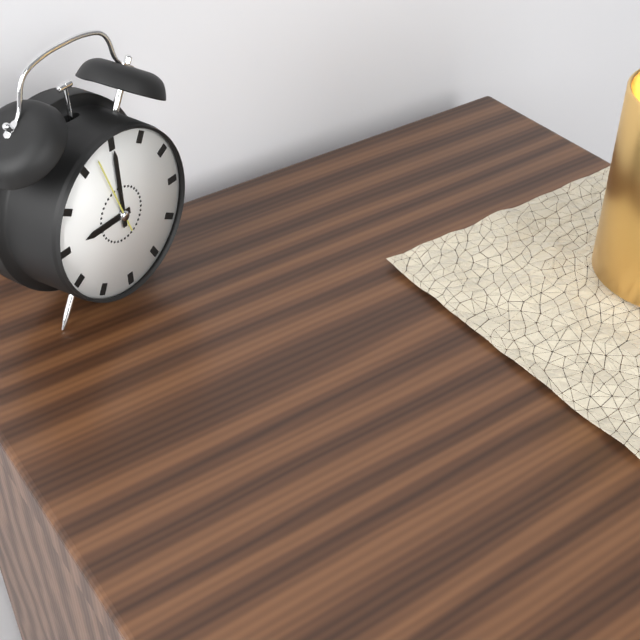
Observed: **9:00:57**
